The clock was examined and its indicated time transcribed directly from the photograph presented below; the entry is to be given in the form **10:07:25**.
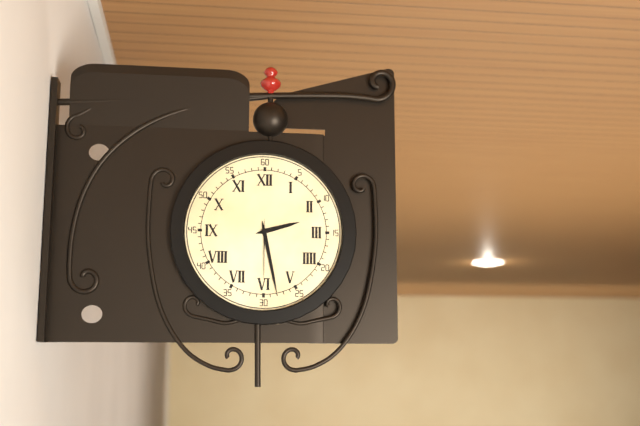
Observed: **2:28:30**
